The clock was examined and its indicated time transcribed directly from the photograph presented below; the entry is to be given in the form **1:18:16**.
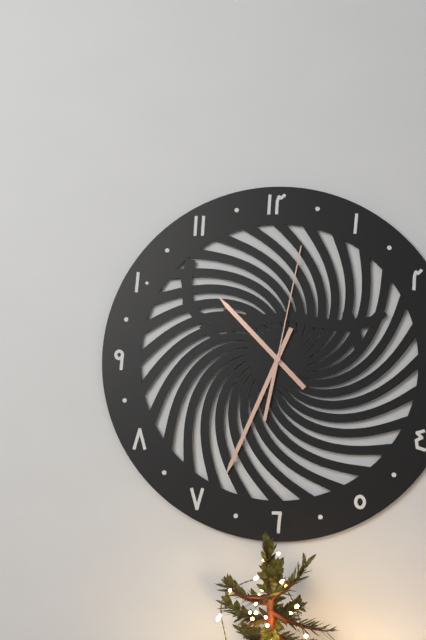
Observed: **10:34:02**
